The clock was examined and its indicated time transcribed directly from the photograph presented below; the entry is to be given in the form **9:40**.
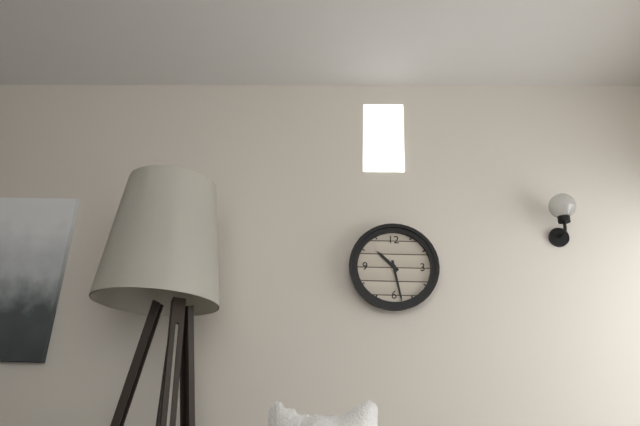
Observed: **10:28**
